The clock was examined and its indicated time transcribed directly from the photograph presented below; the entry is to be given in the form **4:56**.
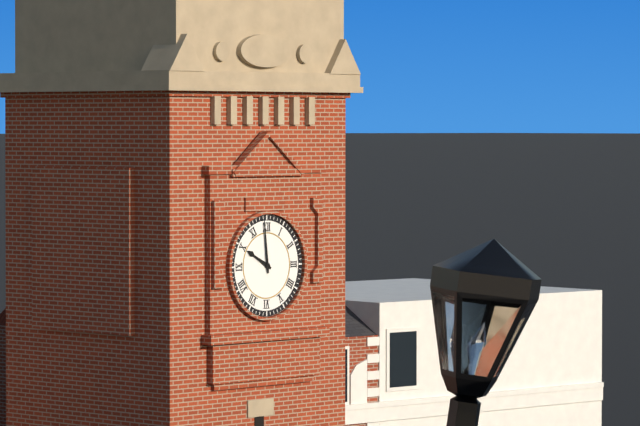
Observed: **9:59**
